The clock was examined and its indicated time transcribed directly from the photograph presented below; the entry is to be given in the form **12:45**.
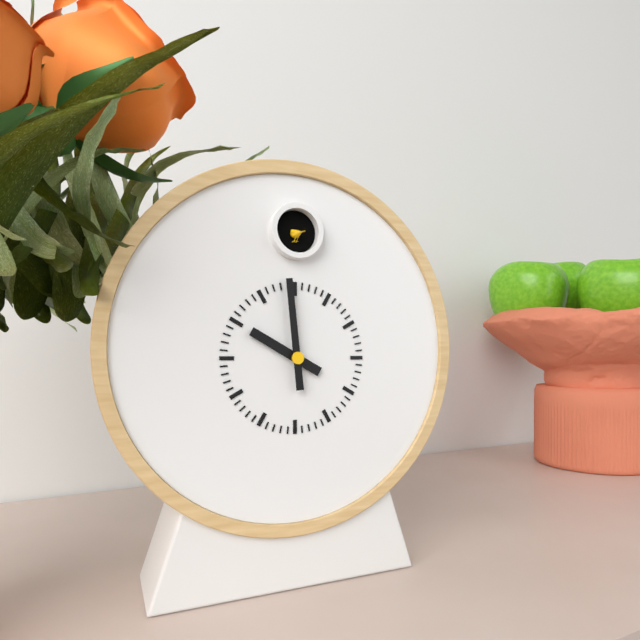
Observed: **9:59**
